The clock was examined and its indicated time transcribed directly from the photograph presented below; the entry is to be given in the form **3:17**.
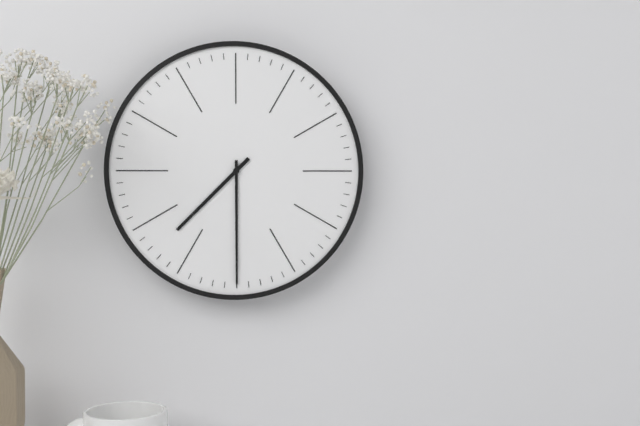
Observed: **7:30**
